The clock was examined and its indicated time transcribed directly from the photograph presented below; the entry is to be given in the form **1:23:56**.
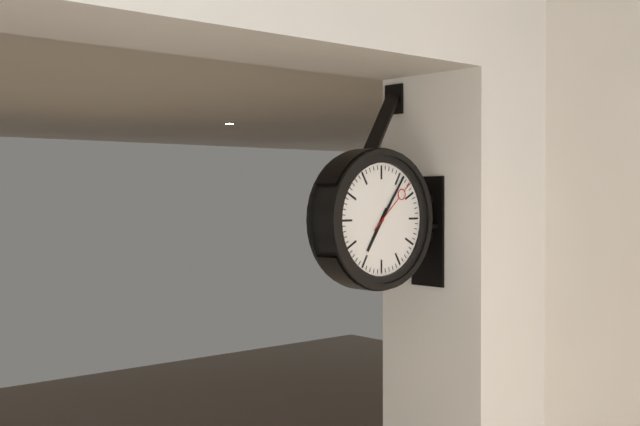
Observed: **7:06:08**
